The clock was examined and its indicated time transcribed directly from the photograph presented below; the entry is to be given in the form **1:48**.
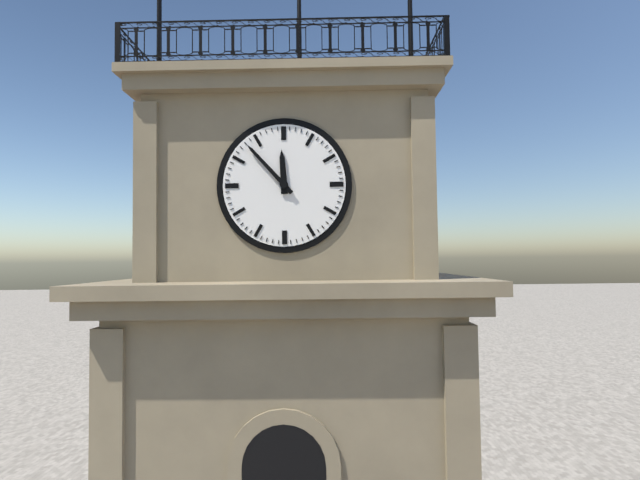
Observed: **11:53**
